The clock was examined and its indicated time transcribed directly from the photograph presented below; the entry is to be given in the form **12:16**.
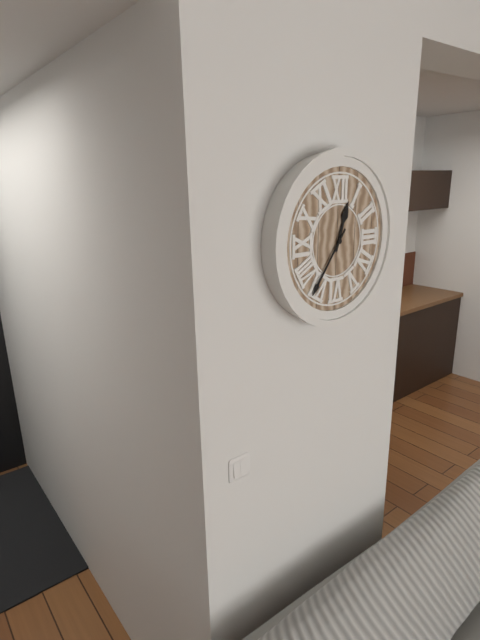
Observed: **12:36**
